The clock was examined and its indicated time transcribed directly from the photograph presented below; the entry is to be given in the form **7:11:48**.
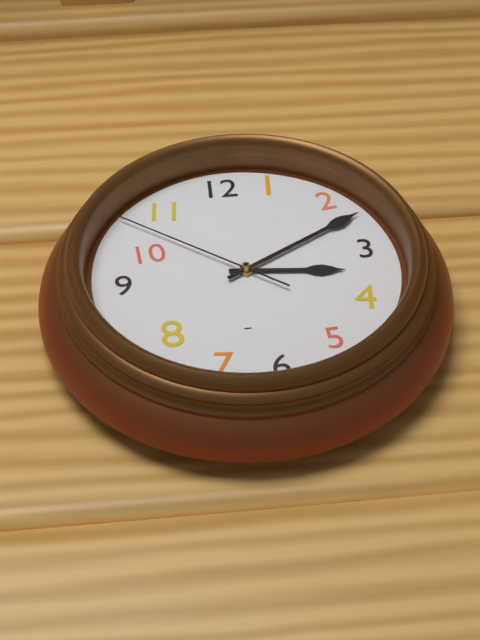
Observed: **3:10:51**
